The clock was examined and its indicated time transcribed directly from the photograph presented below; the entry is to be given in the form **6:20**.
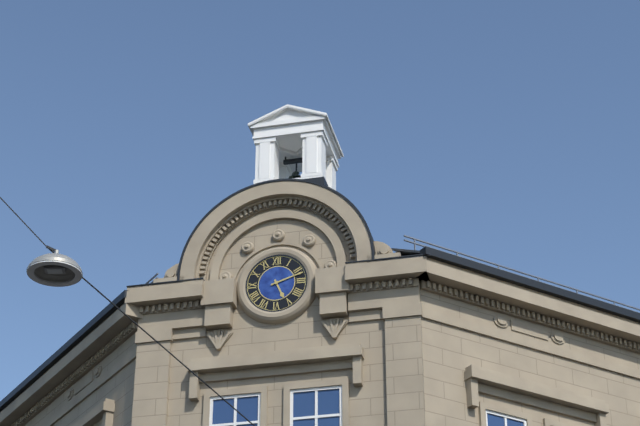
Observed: **5:12**
